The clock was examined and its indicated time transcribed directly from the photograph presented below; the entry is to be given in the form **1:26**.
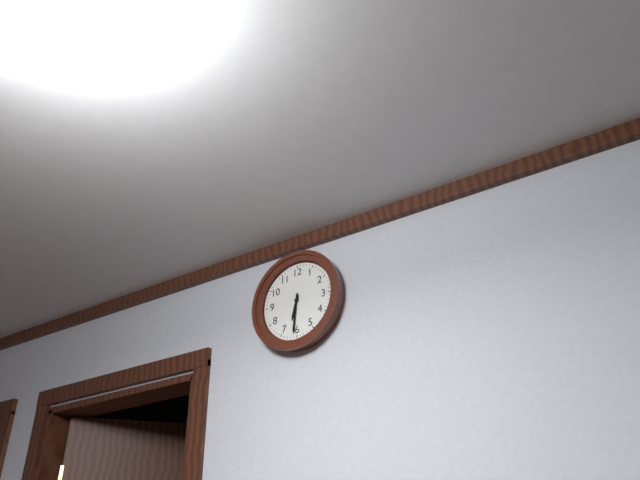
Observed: **6:31**
